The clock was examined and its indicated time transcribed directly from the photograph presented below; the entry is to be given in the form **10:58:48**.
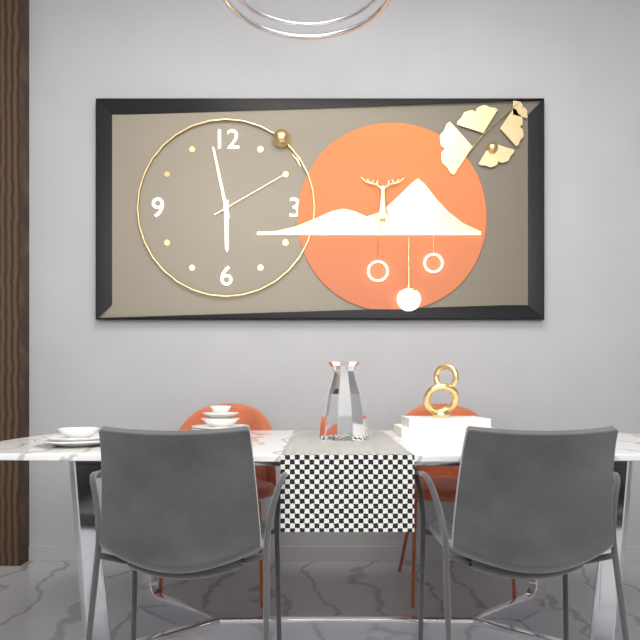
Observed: **5:58:10**
